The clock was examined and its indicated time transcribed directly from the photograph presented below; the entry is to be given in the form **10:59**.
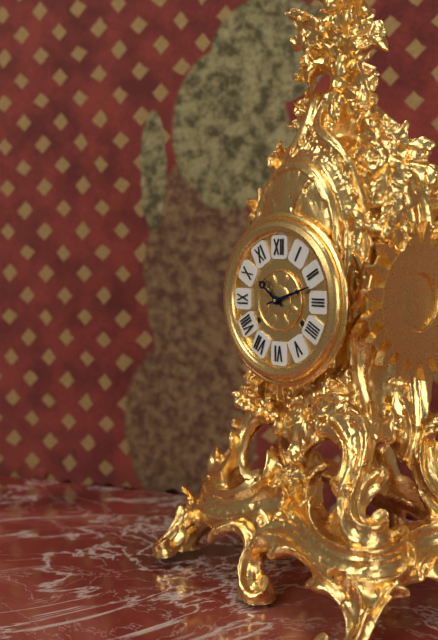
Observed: **10:12**
